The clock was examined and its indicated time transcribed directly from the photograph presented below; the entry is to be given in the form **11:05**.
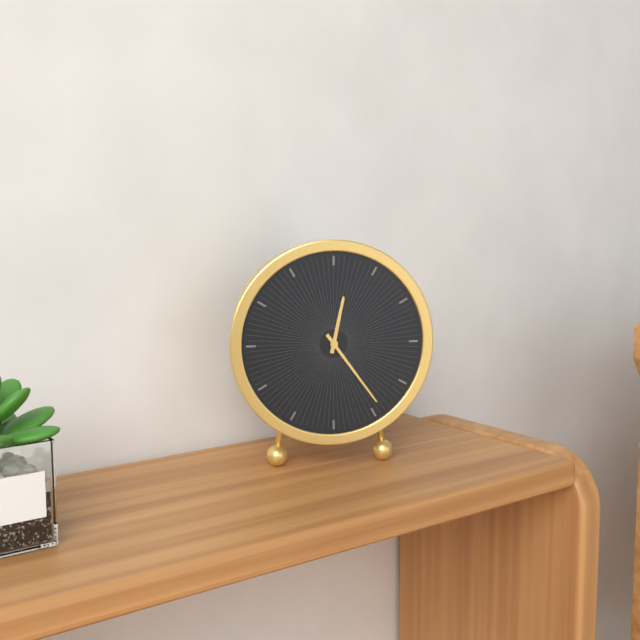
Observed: **12:24**
